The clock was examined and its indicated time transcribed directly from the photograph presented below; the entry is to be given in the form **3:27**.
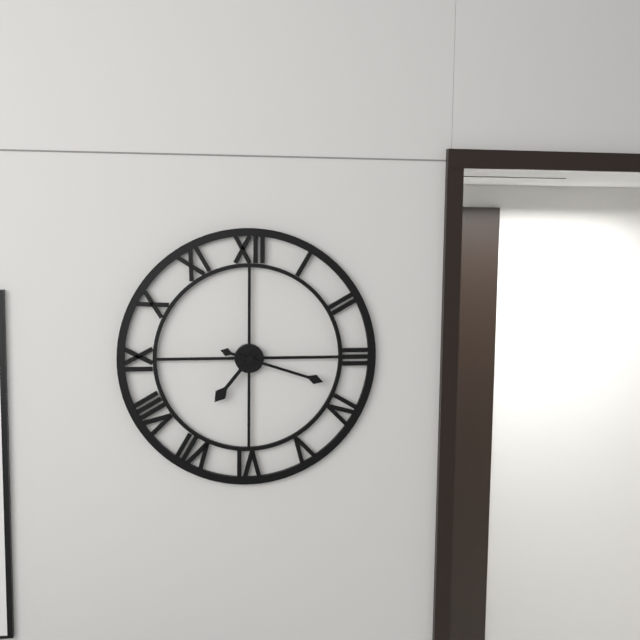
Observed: **7:18**
